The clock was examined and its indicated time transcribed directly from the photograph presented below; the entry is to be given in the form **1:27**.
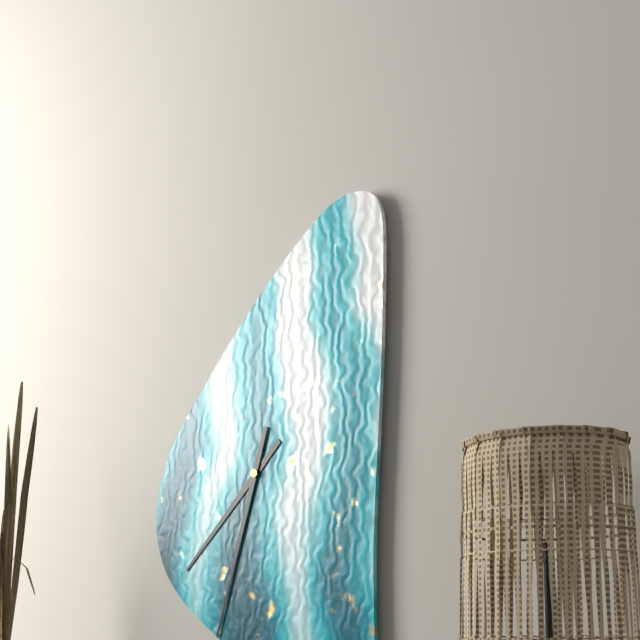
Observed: **7:33**
